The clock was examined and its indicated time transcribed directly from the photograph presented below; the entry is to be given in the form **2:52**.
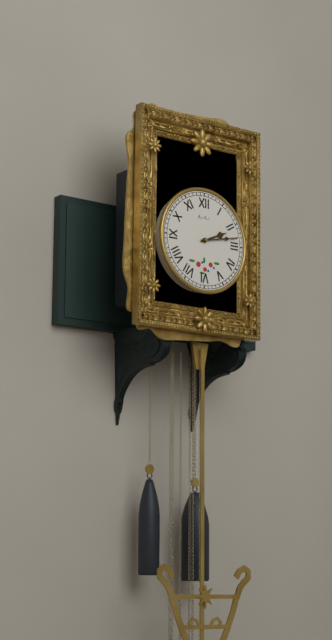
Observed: **2:13**
